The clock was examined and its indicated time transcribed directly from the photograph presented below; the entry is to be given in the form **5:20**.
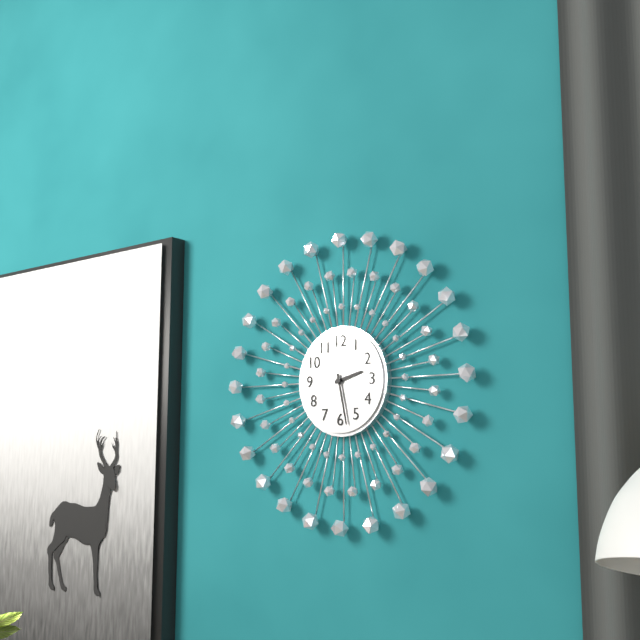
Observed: **2:28**
